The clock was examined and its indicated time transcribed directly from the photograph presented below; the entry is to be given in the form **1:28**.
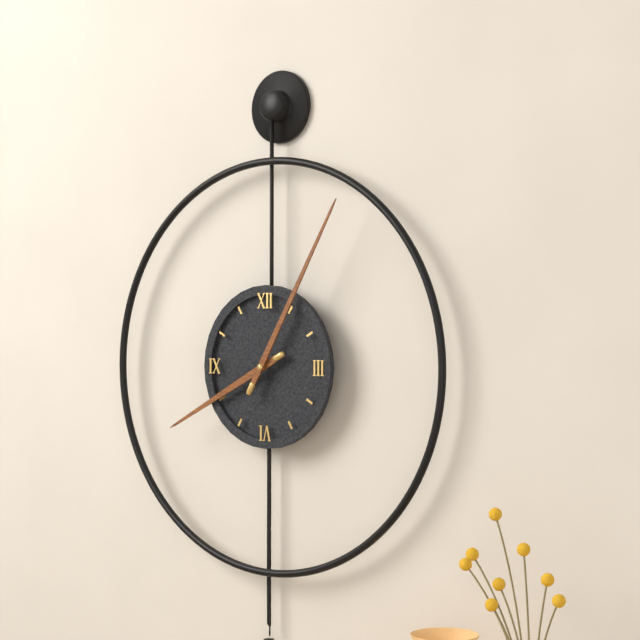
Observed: **8:05**
